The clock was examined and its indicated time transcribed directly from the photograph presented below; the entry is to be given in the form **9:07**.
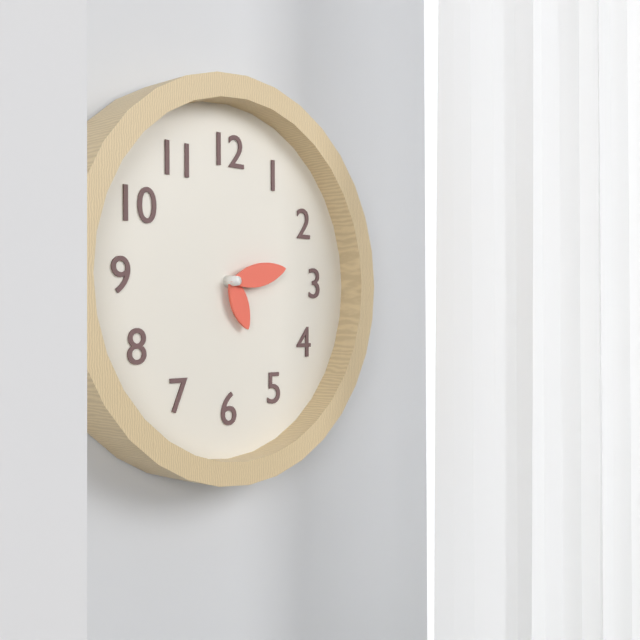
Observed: **5:13**
